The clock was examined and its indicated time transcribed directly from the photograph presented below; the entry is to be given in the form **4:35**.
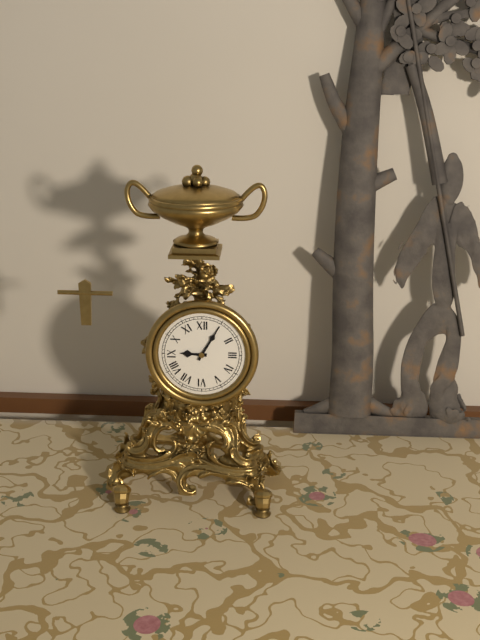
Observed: **9:05**
